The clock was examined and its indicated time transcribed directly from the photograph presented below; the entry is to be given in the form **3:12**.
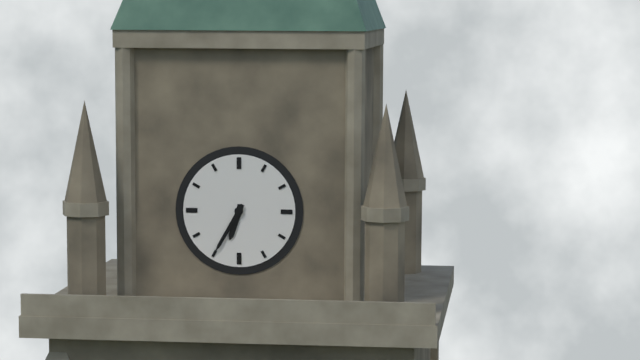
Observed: **6:35**
